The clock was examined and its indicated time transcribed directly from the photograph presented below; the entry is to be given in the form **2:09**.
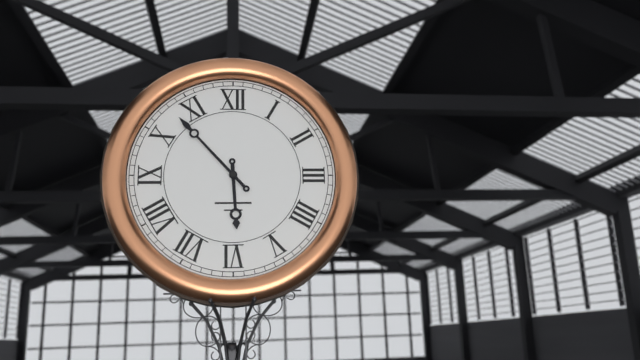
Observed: **5:53**
